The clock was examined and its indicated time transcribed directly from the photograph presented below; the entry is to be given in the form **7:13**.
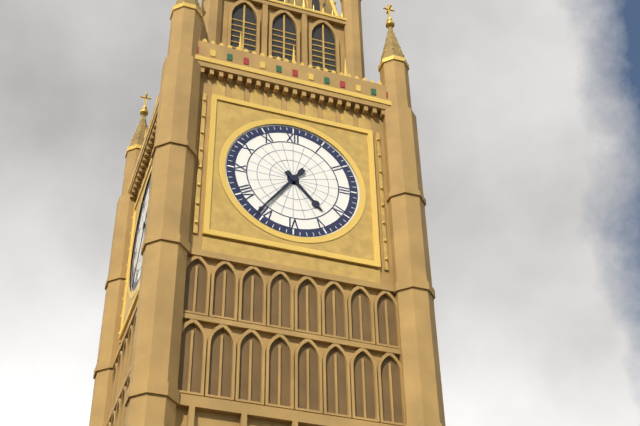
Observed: **4:36**
